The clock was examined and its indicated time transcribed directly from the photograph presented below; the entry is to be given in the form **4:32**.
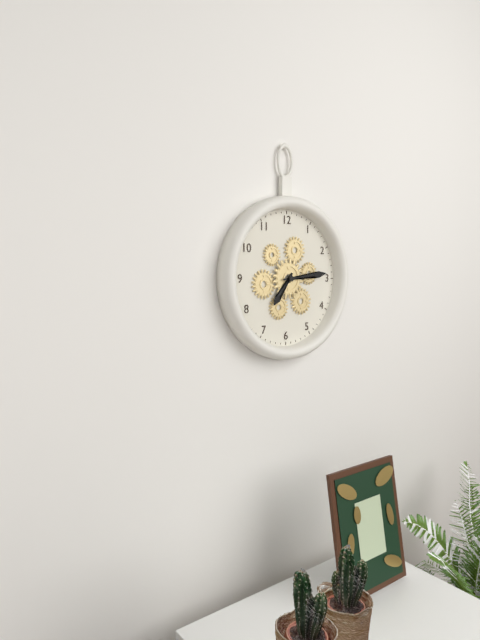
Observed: **7:14**
